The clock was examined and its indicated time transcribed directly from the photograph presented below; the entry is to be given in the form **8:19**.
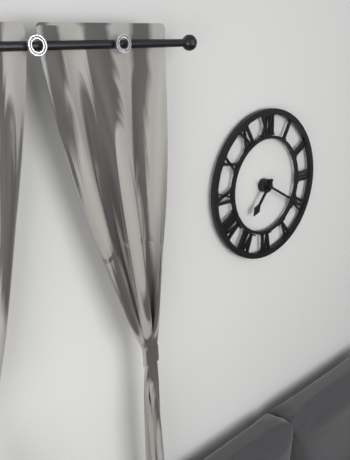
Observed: **7:20**
